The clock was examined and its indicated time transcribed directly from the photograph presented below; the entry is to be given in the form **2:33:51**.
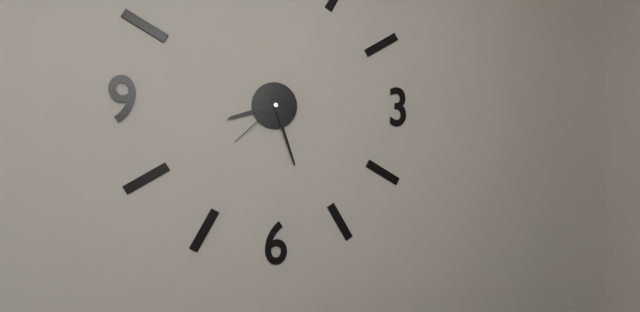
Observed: **8:27:38**
